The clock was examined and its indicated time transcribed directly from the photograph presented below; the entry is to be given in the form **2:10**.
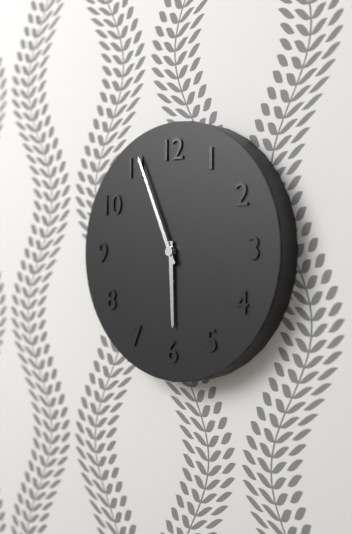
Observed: **5:56**
